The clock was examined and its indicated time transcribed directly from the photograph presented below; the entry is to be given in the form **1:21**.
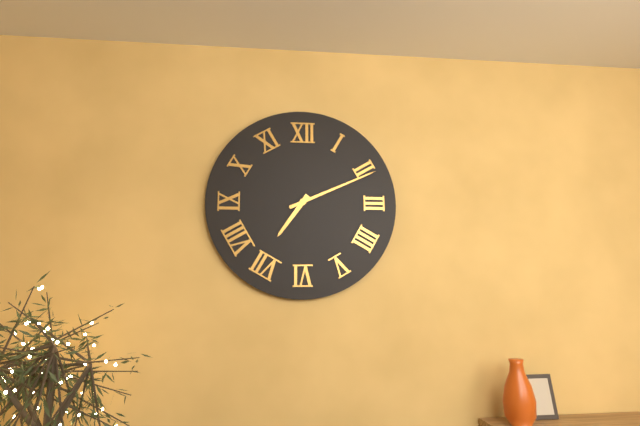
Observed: **7:11**
